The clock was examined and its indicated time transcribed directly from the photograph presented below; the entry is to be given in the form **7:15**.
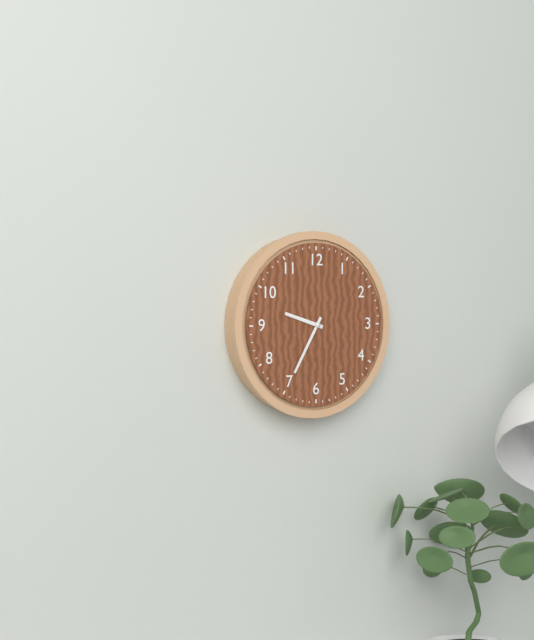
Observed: **9:35**
